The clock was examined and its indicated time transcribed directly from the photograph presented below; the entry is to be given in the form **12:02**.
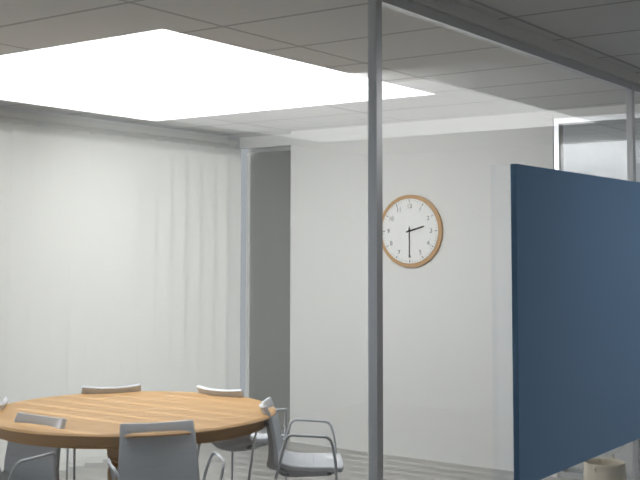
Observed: **2:30**
